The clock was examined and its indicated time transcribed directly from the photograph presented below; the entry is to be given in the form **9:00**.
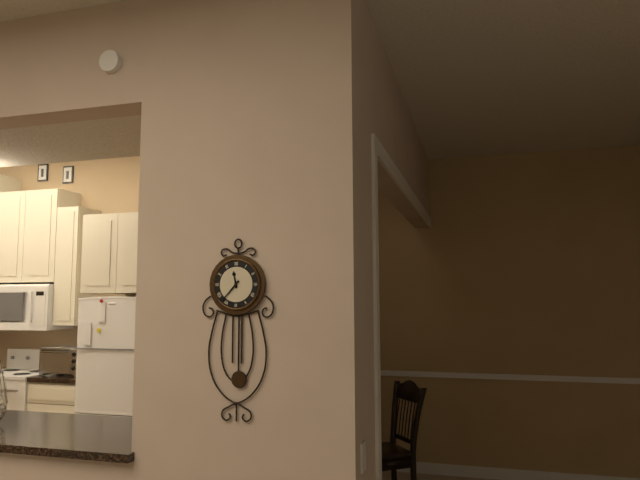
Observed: **11:37**
